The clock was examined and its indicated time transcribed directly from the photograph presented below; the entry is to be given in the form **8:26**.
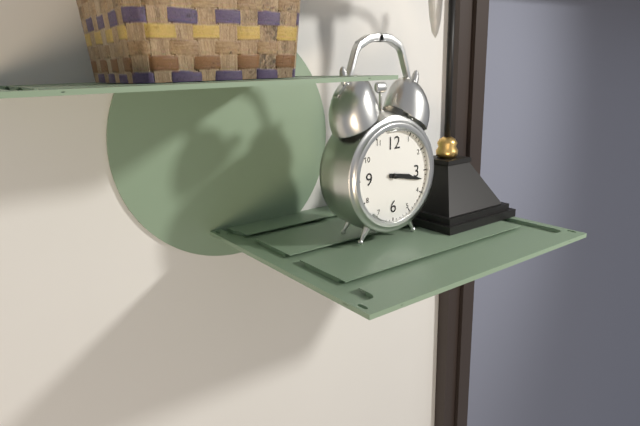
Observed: **3:17**
